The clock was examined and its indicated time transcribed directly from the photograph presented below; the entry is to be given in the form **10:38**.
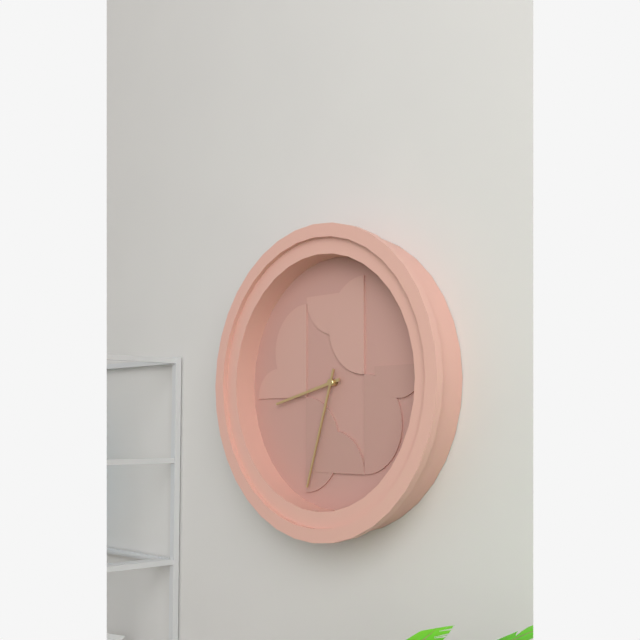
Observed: **8:33**
